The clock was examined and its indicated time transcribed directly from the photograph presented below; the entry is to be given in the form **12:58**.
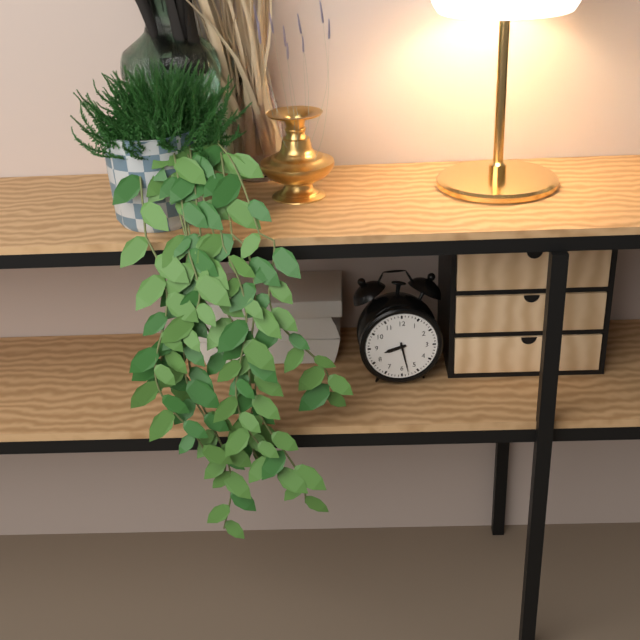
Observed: **8:28**
